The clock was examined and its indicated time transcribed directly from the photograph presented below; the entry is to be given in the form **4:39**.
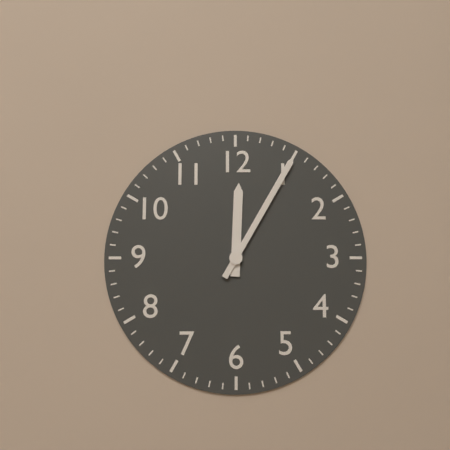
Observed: **12:05**
